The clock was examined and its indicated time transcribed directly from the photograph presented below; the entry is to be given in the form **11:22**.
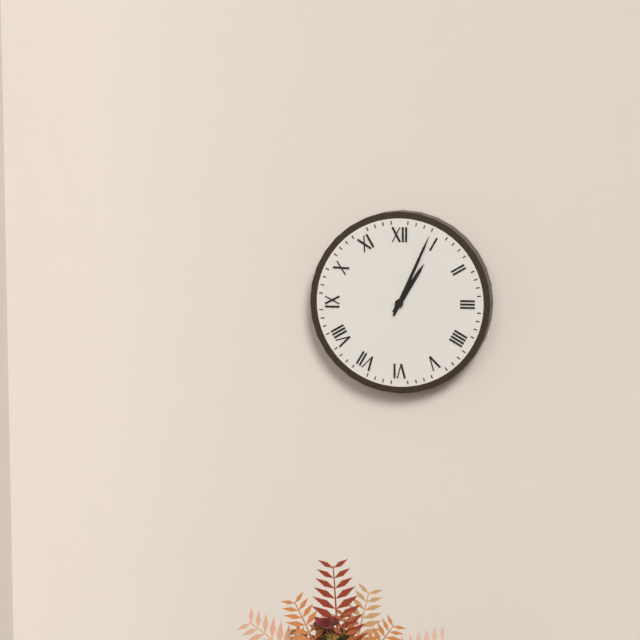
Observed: **1:04**
